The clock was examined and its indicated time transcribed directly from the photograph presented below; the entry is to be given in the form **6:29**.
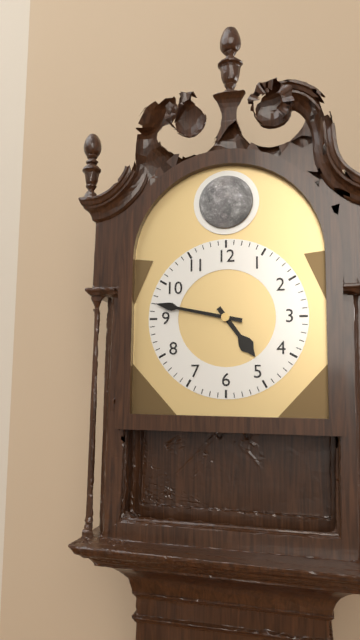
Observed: **4:47**
